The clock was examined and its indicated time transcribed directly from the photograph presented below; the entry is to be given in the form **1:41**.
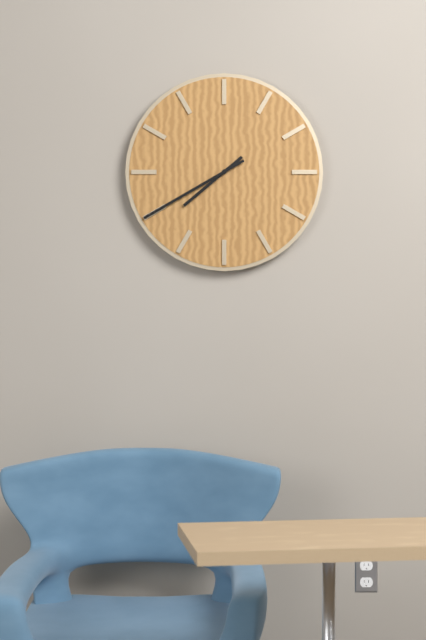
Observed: **7:40**
